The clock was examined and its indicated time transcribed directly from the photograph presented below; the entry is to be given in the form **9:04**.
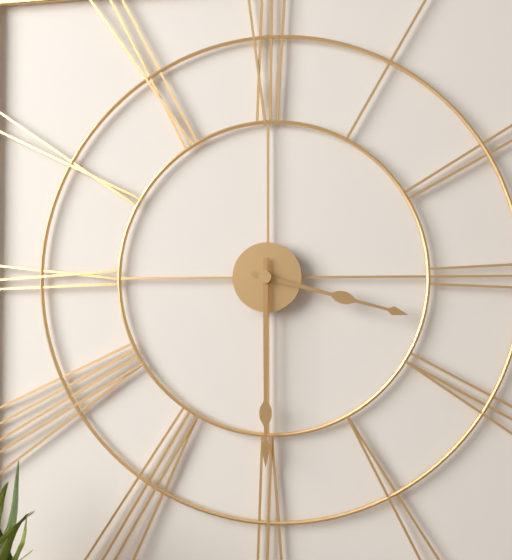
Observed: **3:30**
